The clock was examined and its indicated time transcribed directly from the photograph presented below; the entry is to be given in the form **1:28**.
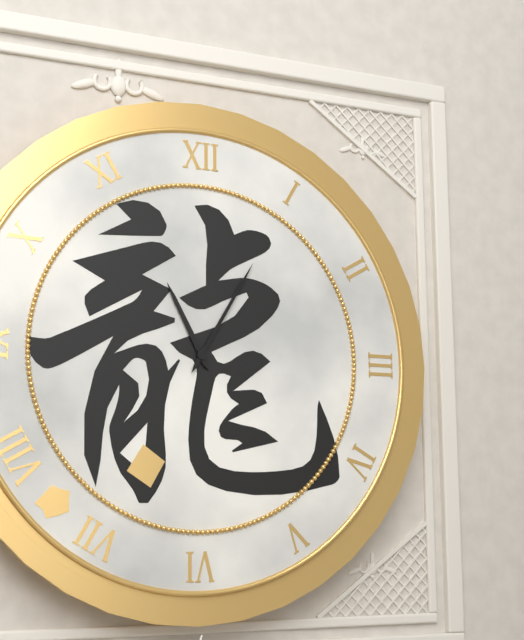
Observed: **11:05**
